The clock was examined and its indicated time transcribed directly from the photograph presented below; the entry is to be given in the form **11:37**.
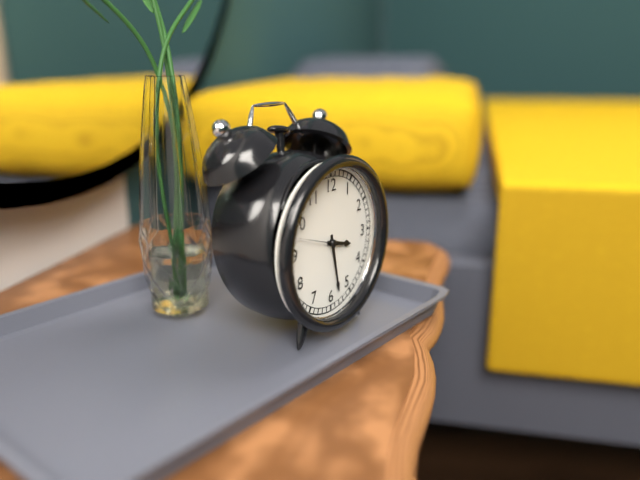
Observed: **3:28**
